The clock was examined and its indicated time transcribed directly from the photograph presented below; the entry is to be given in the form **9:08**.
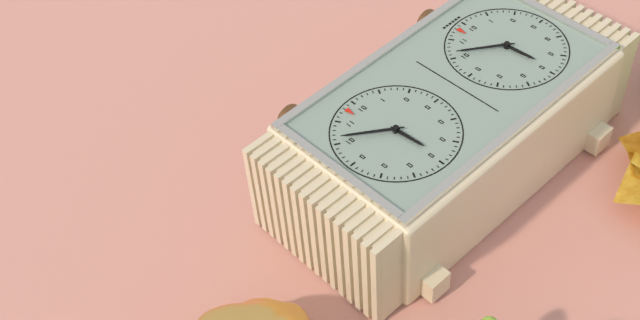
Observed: **5:51**
